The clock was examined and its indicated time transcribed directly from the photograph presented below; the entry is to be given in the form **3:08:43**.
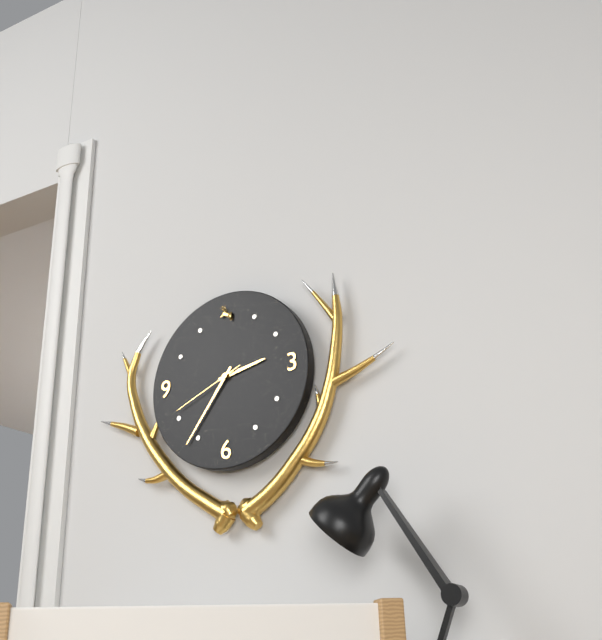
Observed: **2:36:41**
